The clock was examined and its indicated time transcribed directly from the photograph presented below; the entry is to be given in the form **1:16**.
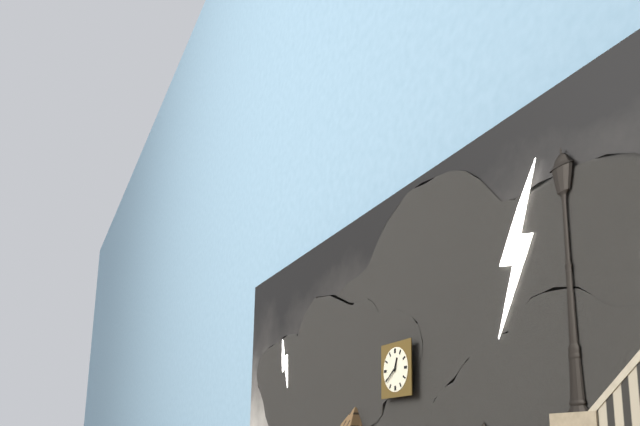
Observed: **12:39**
